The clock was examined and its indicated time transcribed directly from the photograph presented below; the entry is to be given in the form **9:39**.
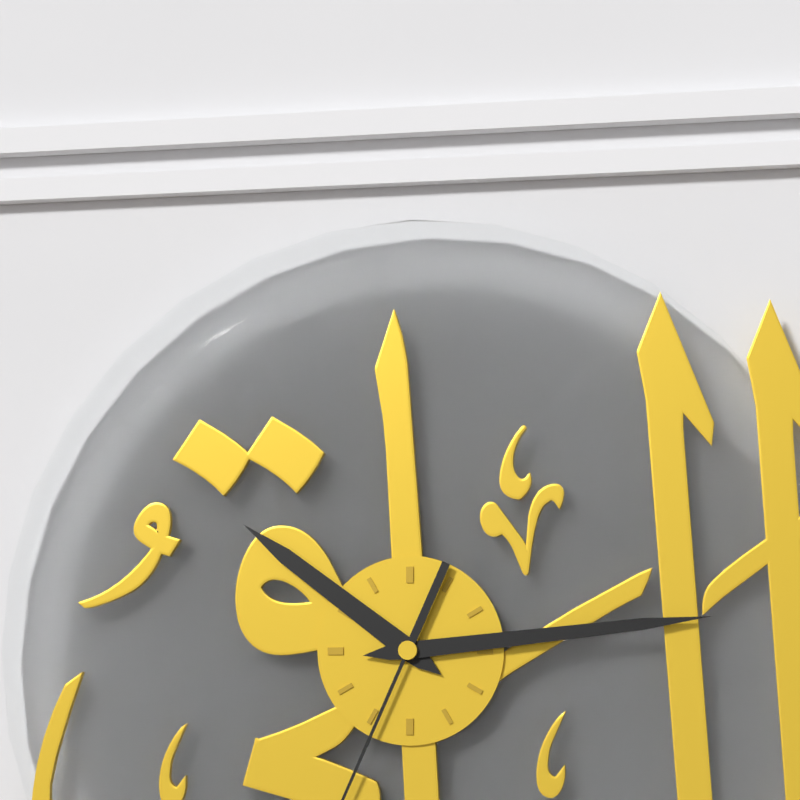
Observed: **10:14**
